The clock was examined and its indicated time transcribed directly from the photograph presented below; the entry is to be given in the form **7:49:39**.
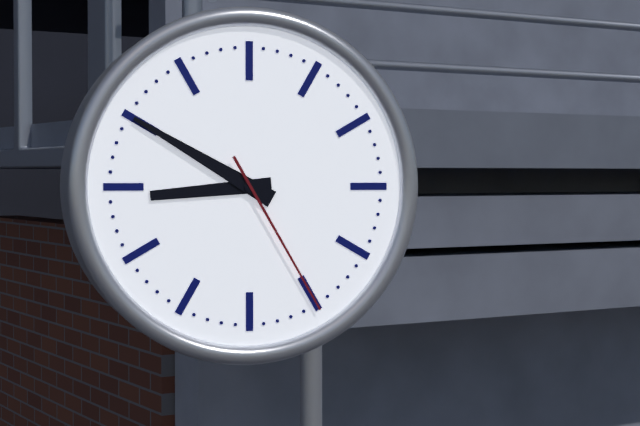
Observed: **8:50:25**
